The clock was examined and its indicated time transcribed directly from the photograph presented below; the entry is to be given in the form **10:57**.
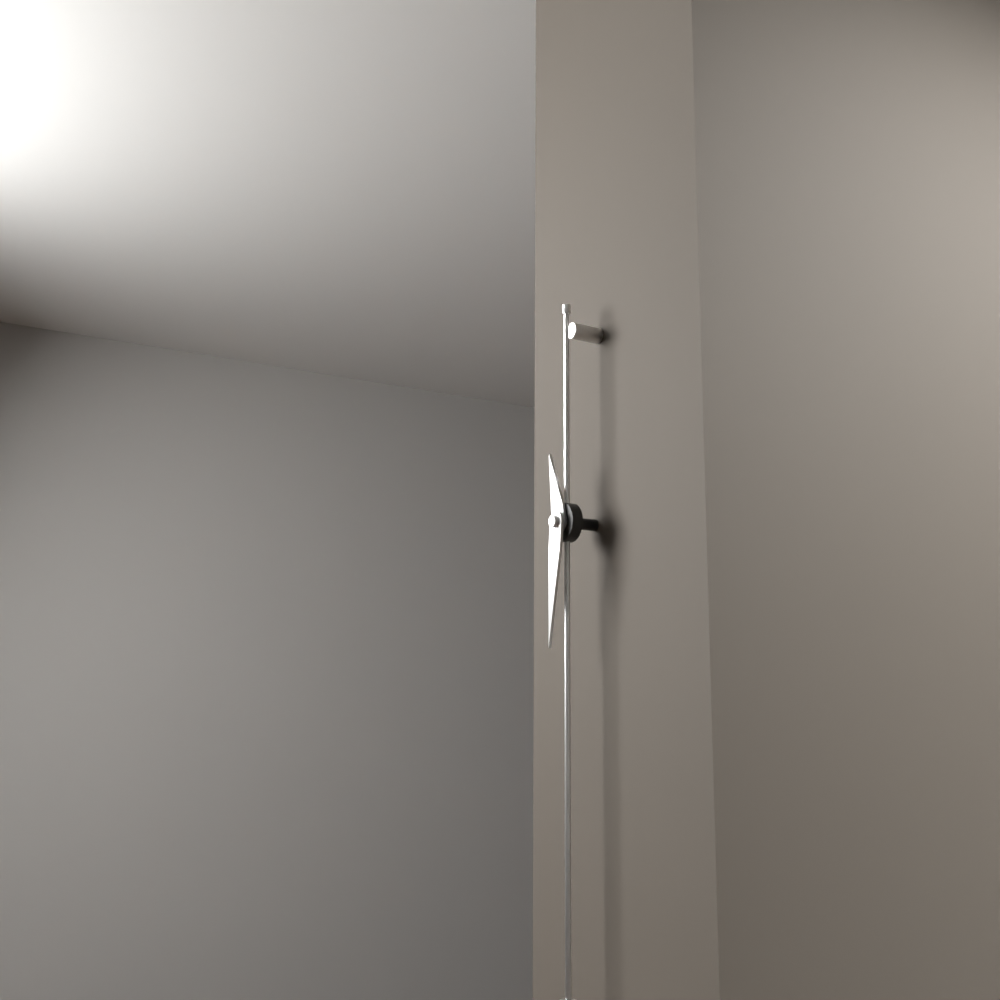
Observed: **11:31**
